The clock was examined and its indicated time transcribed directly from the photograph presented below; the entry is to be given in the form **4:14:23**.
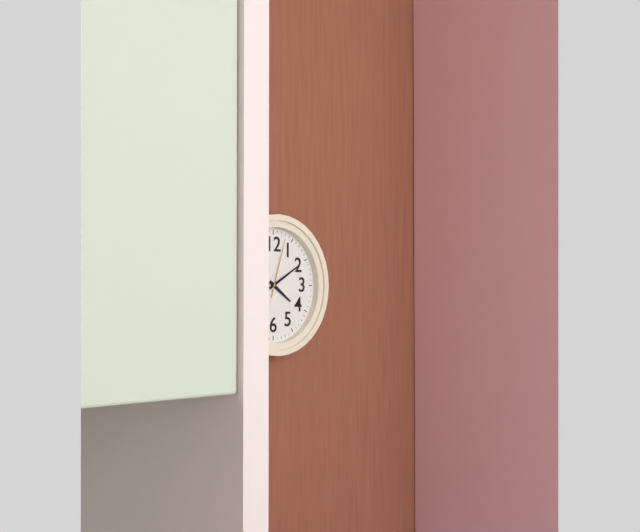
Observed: **4:10:03**
